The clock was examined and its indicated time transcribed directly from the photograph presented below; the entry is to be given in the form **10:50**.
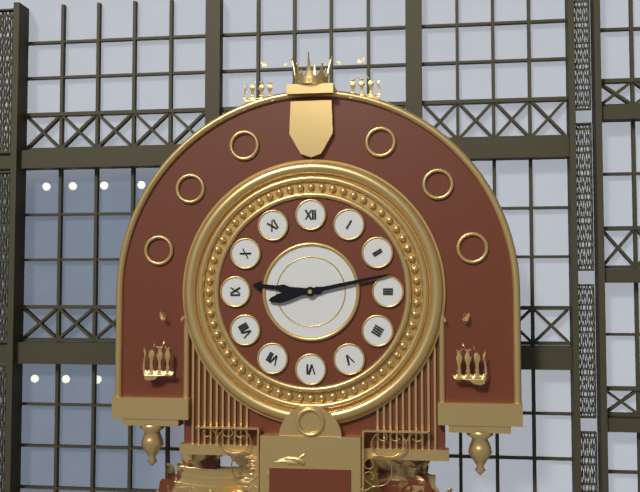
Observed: **9:13**
